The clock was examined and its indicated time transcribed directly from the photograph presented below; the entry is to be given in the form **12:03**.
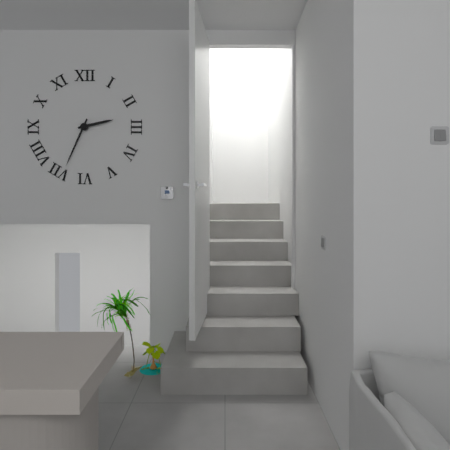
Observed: **2:34**
